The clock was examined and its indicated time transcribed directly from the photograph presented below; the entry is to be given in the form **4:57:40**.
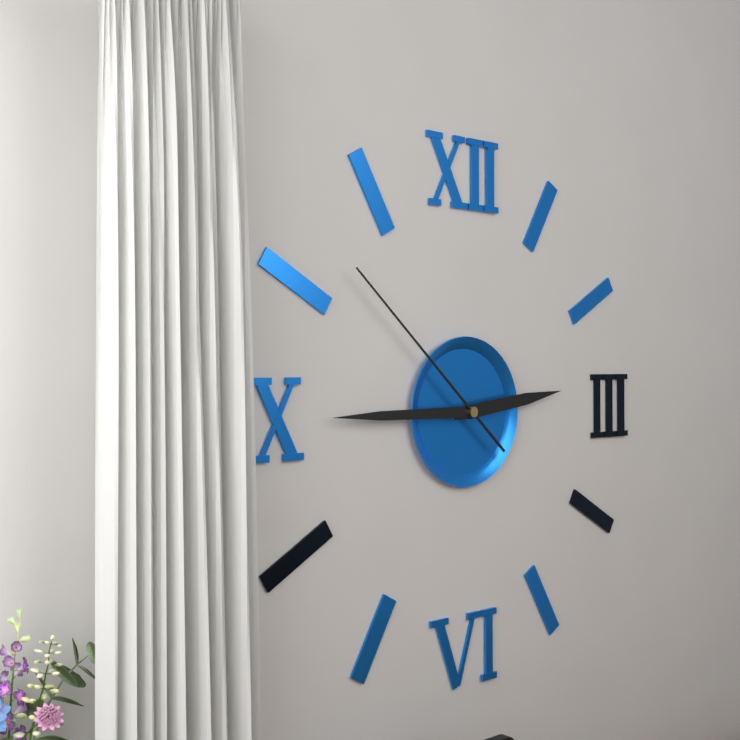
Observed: **2:45:52**
